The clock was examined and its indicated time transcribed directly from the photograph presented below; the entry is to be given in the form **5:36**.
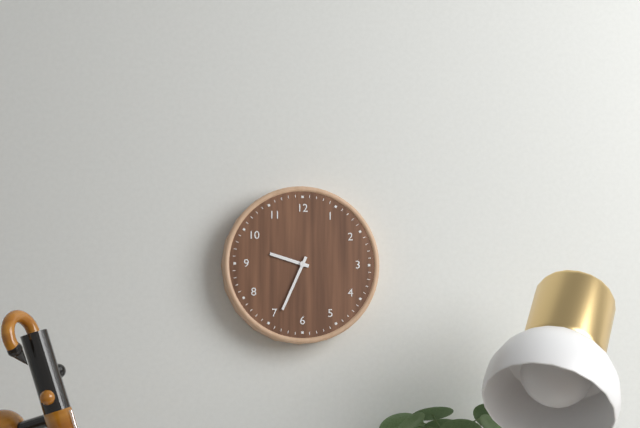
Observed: **9:34**
